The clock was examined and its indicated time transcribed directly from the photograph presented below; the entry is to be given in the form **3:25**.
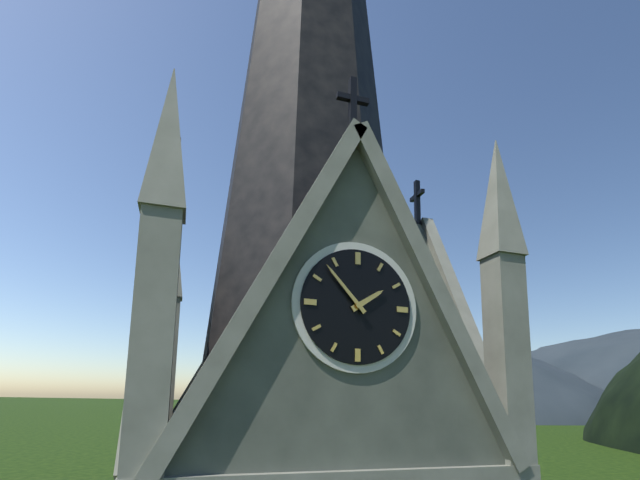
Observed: **1:53**
